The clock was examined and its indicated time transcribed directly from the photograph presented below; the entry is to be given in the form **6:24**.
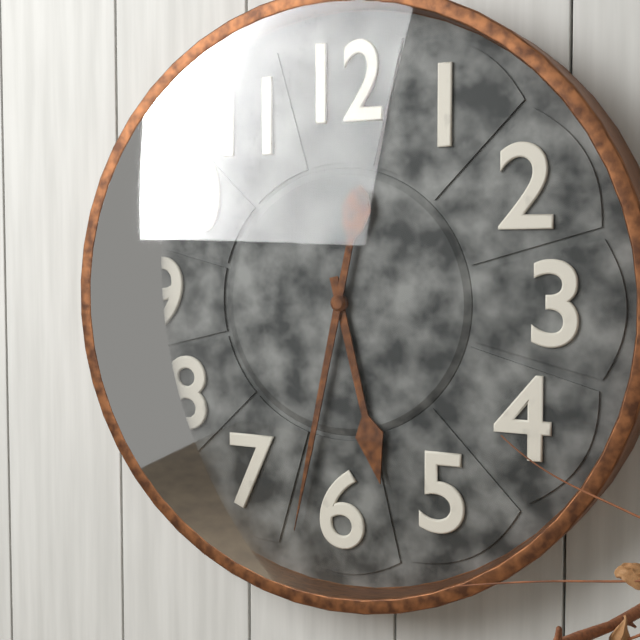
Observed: **5:32**
